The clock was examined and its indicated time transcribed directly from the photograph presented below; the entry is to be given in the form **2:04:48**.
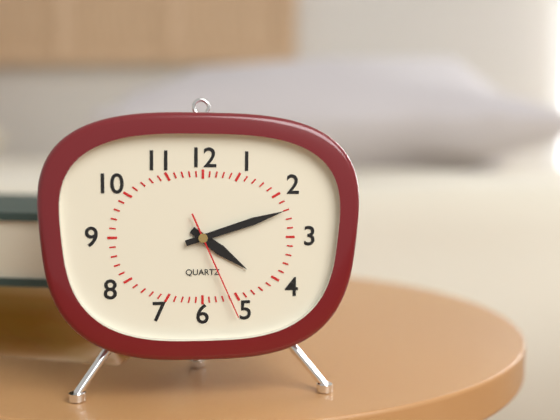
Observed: **4:12:26**
